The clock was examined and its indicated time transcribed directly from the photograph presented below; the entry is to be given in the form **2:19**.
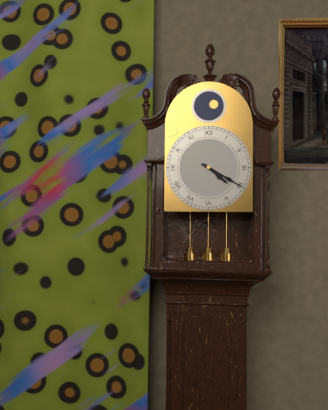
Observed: **4:20**
